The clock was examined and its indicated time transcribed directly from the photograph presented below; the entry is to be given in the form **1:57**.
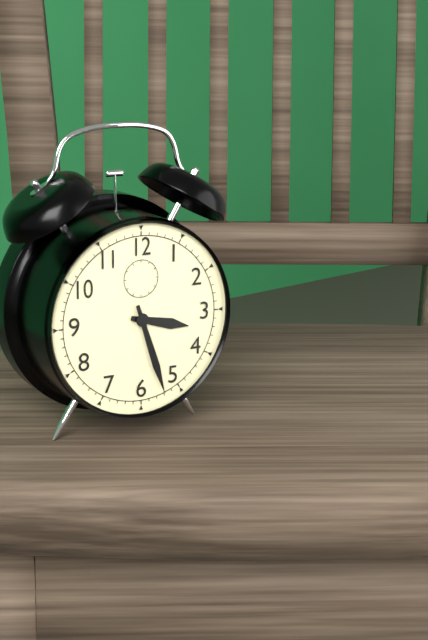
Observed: **3:27**
